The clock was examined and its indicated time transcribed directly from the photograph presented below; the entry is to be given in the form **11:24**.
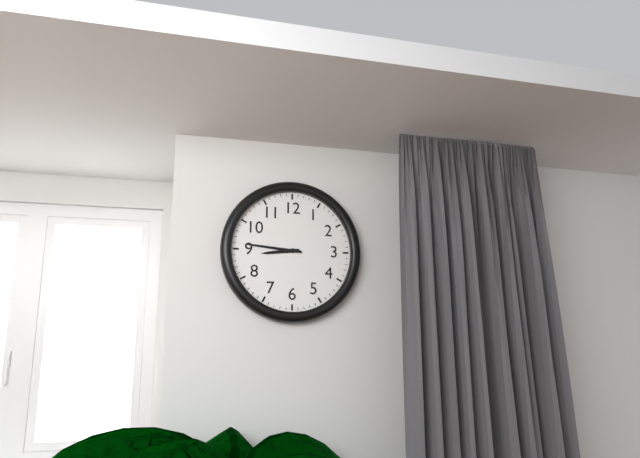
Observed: **8:46**
